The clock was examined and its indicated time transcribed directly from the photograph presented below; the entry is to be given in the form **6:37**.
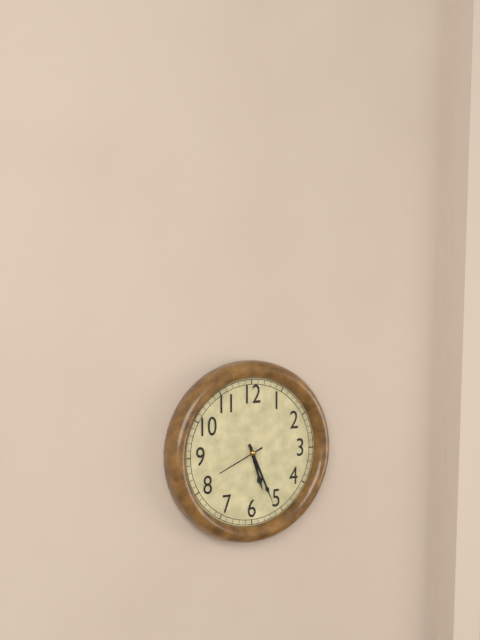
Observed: **5:26**
